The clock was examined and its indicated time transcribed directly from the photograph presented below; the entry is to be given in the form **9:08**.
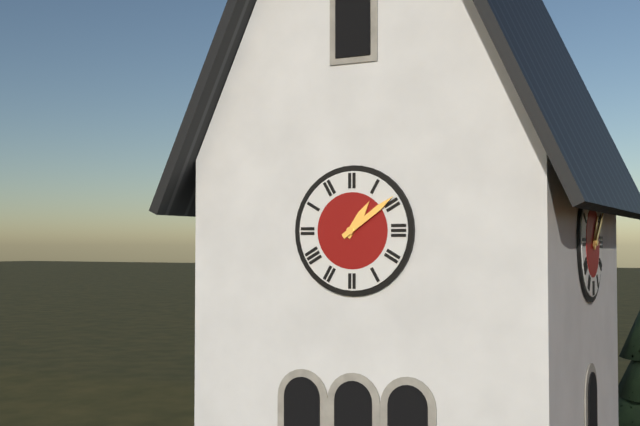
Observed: **1:09**
